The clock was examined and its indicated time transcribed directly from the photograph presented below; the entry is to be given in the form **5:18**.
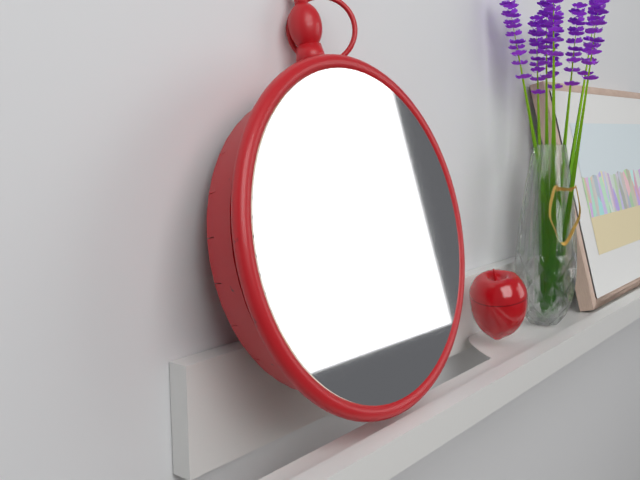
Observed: **6:32**
